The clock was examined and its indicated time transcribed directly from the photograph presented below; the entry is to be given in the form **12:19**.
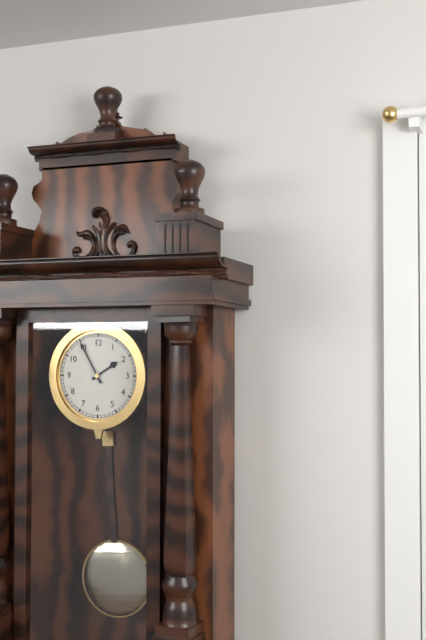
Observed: **1:55**
